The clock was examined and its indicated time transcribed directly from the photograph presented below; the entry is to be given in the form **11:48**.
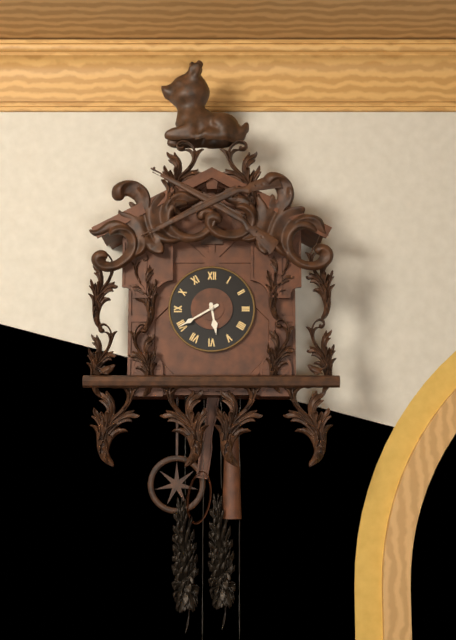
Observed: **5:40**
